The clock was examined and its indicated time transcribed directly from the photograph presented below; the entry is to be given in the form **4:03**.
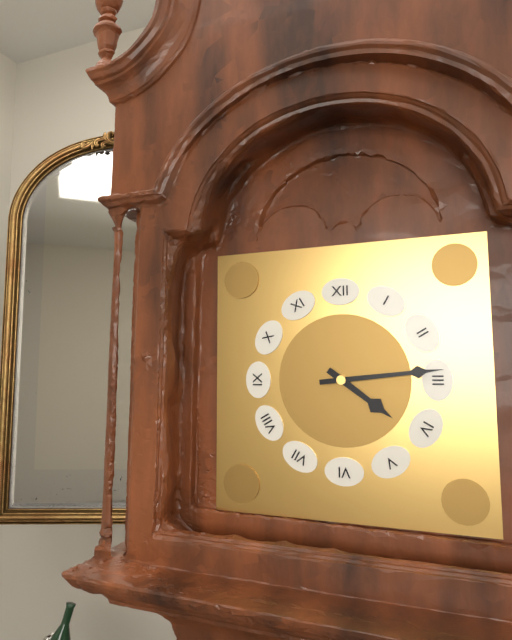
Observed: **4:14**
